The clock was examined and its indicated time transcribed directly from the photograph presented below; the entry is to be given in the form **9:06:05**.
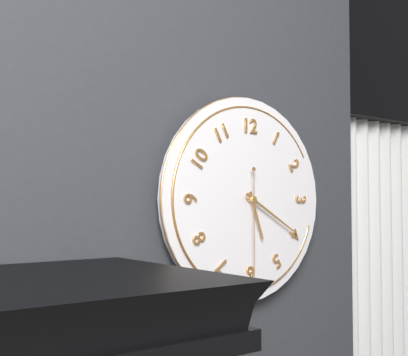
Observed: **5:20:30**
